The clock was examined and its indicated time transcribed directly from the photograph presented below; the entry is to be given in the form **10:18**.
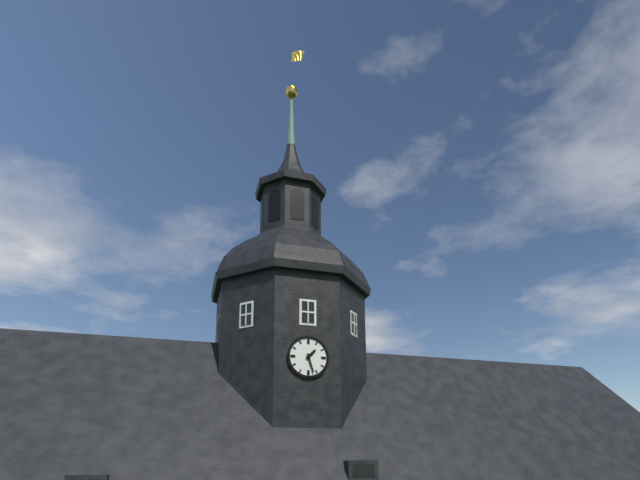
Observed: **1:27**
